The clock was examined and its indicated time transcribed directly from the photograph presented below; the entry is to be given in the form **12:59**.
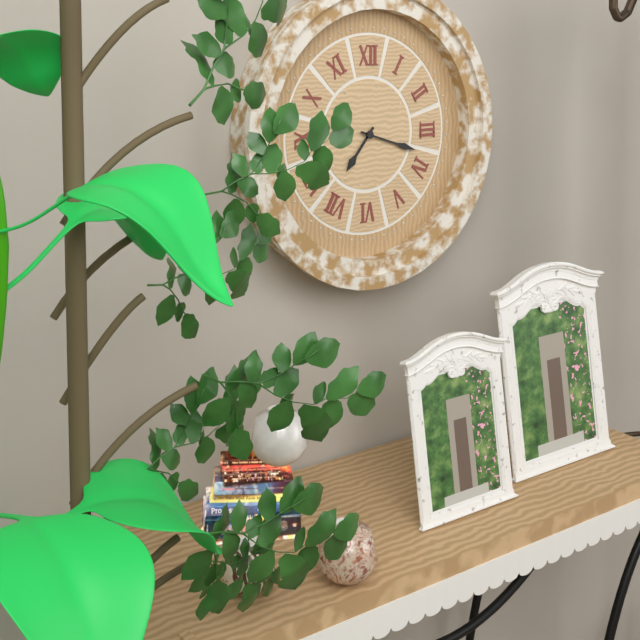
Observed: **7:18**
